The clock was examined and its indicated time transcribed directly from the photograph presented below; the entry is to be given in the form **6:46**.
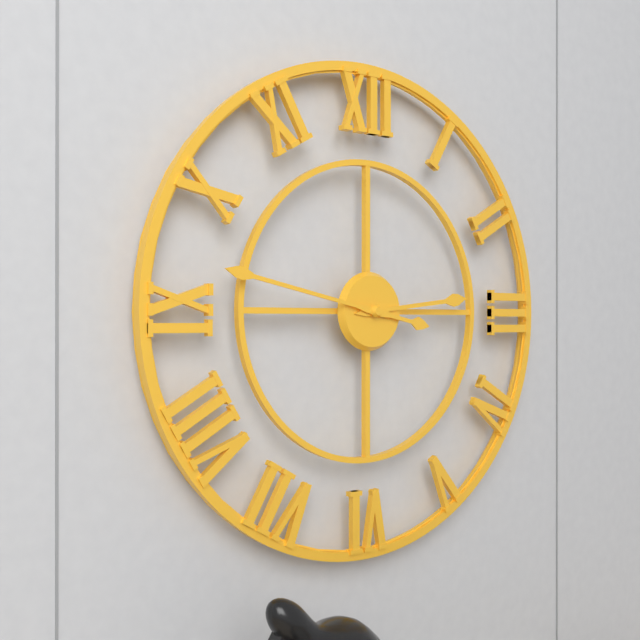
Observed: **2:47**
